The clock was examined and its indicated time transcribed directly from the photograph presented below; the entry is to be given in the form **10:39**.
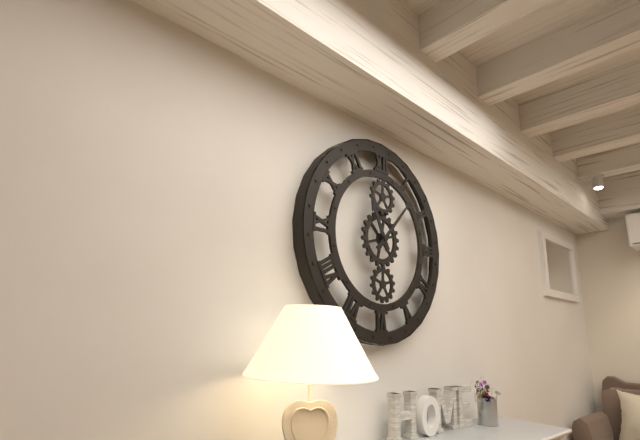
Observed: **11:07**
